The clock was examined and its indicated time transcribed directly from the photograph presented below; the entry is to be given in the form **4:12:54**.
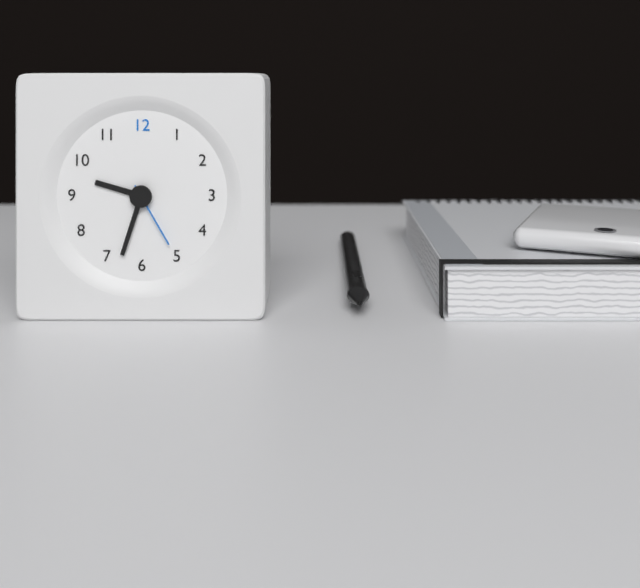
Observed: **9:33:25**
